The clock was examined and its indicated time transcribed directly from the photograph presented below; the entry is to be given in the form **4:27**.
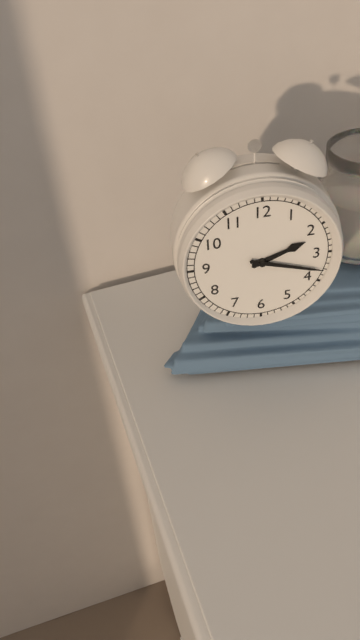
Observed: **2:18**
